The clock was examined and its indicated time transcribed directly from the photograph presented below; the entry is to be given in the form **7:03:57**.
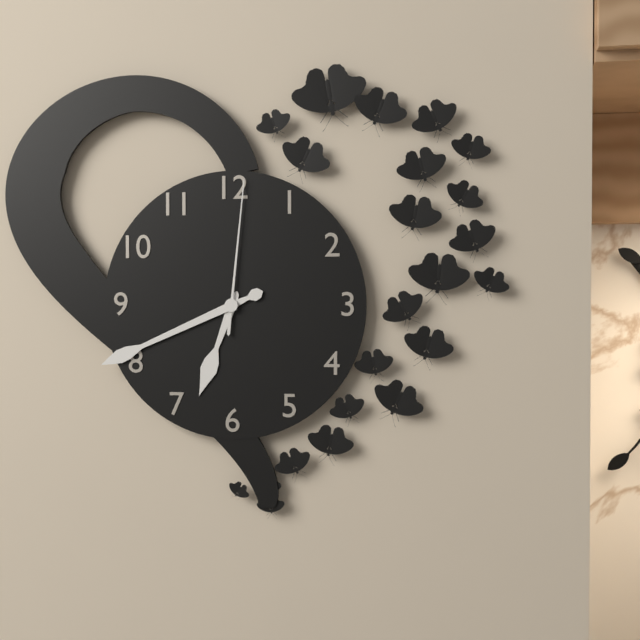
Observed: **6:41:01**
